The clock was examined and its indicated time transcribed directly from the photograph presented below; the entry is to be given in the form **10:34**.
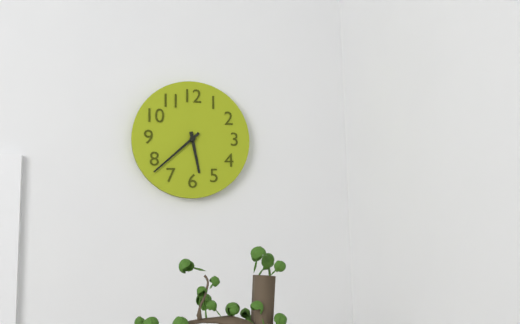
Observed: **5:38**
